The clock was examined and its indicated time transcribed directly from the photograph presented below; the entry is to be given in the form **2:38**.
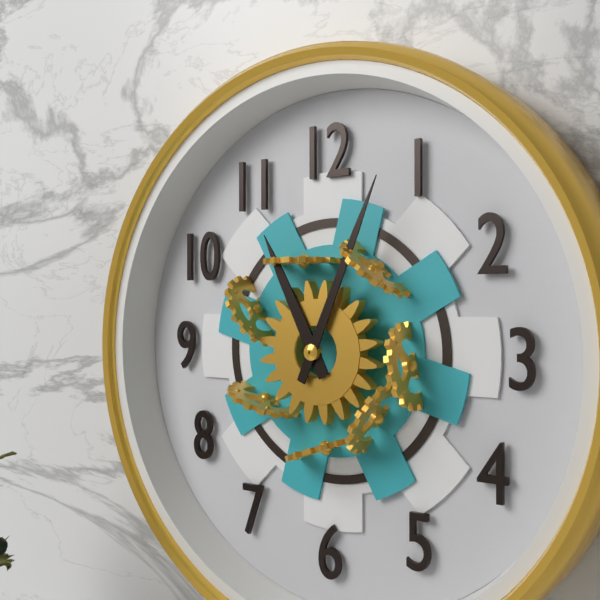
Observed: **11:04**
